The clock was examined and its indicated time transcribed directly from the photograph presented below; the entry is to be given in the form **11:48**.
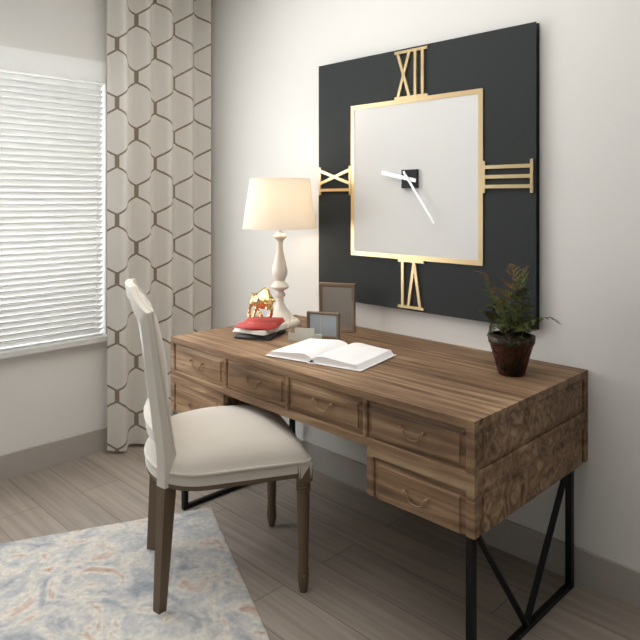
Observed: **9:24**
